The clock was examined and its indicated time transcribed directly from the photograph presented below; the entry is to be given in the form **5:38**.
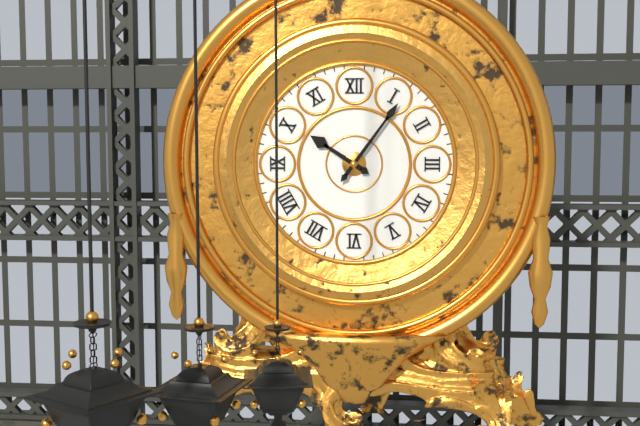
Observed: **10:06**
